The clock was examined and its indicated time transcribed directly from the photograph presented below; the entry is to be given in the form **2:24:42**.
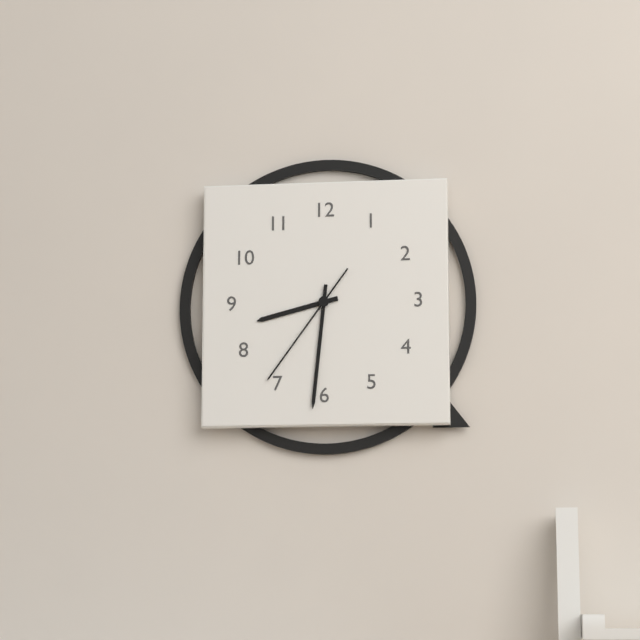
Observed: **8:31:36**
